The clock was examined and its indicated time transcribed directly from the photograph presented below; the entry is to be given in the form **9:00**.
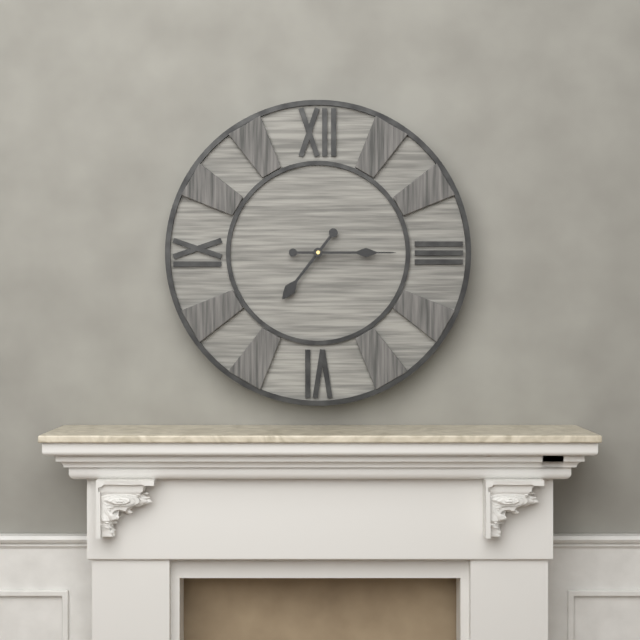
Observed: **7:15**
